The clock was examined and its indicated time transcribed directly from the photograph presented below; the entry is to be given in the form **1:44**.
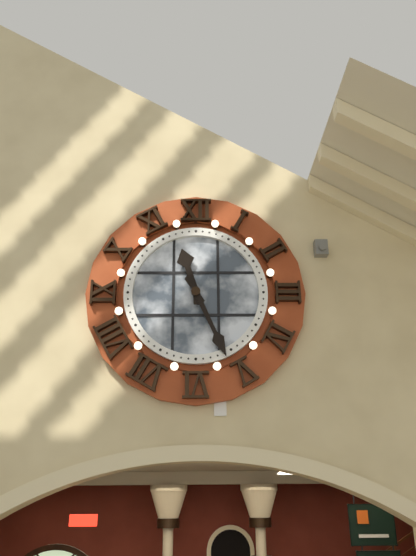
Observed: **11:26**
